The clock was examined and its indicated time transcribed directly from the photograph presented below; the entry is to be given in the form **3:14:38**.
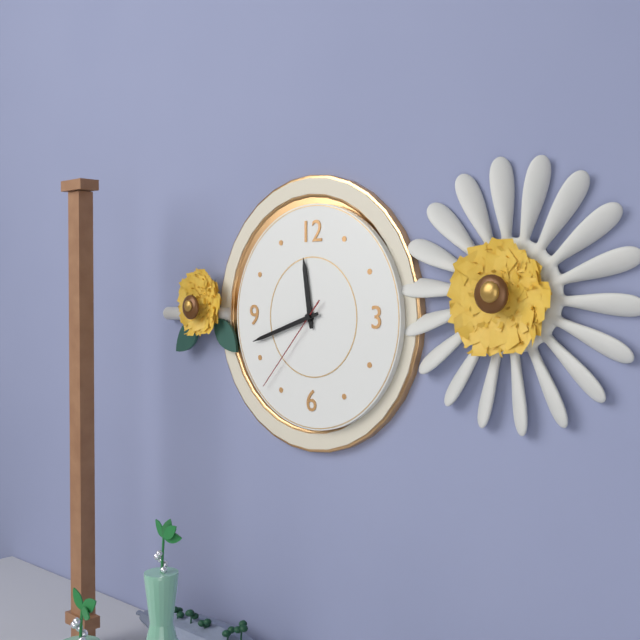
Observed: **11:42:37**
